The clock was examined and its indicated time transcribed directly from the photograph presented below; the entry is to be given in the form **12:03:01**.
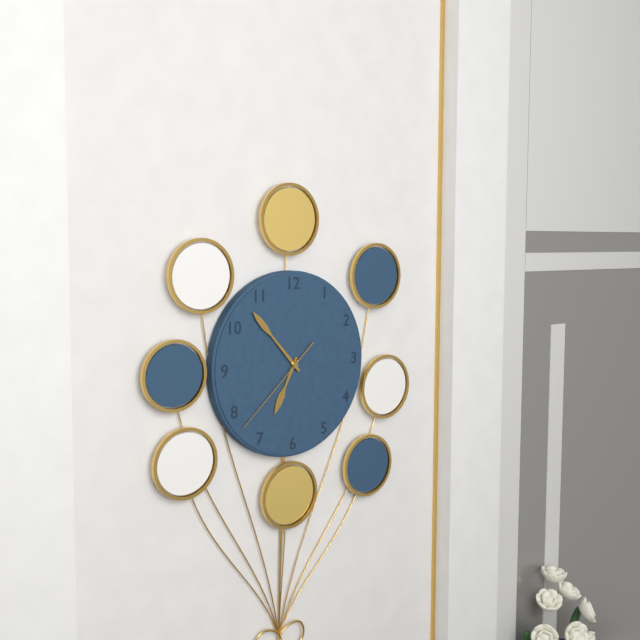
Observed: **6:53:38**
